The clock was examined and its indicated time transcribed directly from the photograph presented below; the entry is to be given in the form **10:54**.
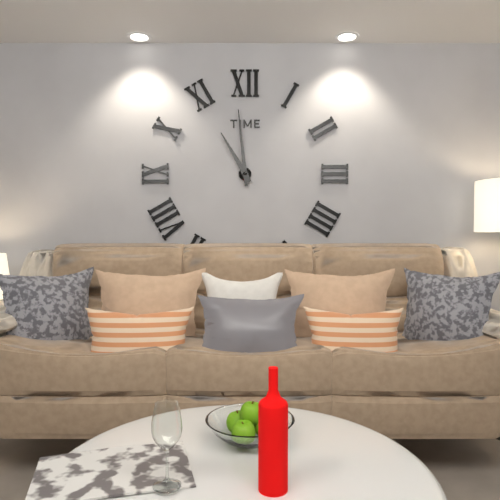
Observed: **10:59**
